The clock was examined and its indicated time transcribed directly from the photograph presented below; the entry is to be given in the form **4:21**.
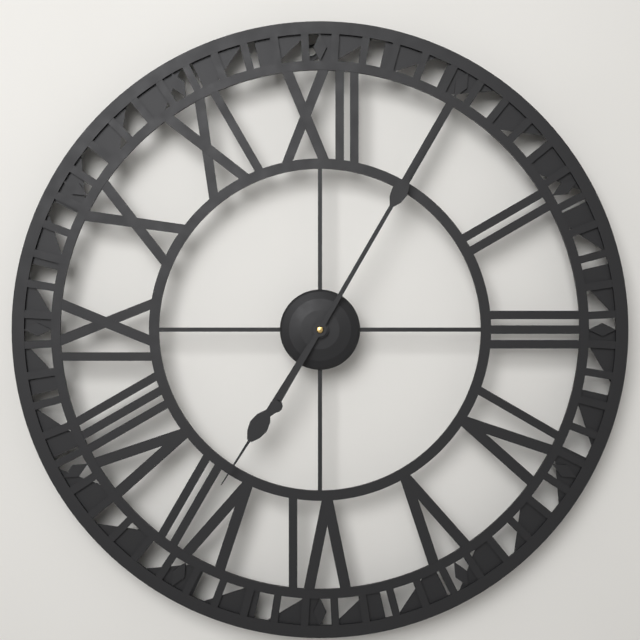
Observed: **7:05**
